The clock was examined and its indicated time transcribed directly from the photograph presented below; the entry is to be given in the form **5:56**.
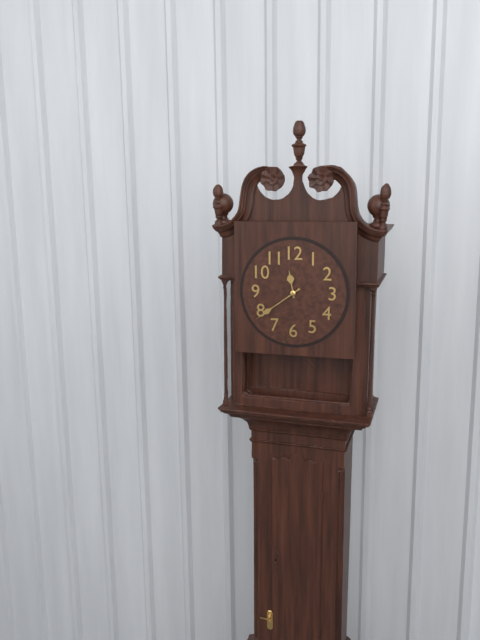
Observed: **11:39**
